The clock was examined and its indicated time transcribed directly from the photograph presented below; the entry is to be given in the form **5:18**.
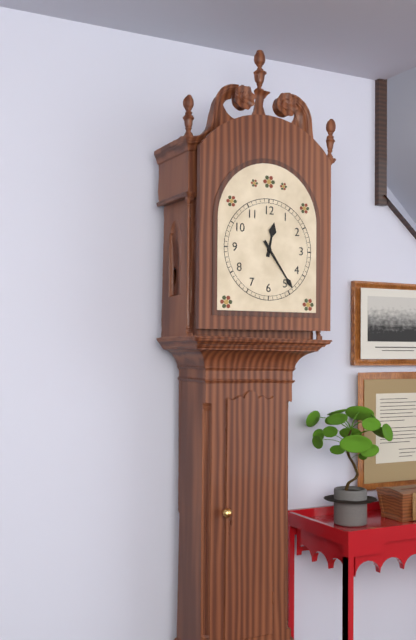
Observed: **12:24**
